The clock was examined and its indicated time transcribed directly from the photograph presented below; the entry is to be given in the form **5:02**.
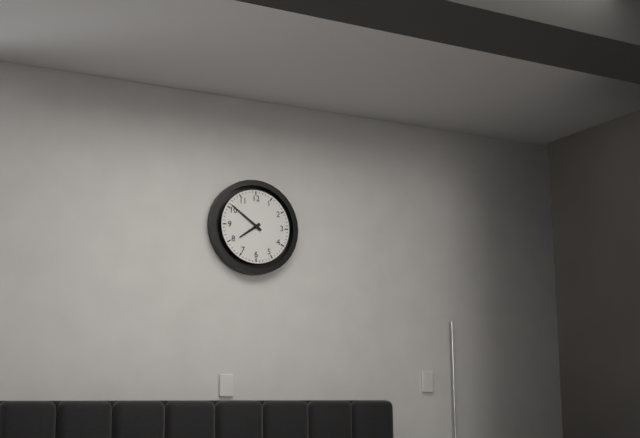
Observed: **7:51**
